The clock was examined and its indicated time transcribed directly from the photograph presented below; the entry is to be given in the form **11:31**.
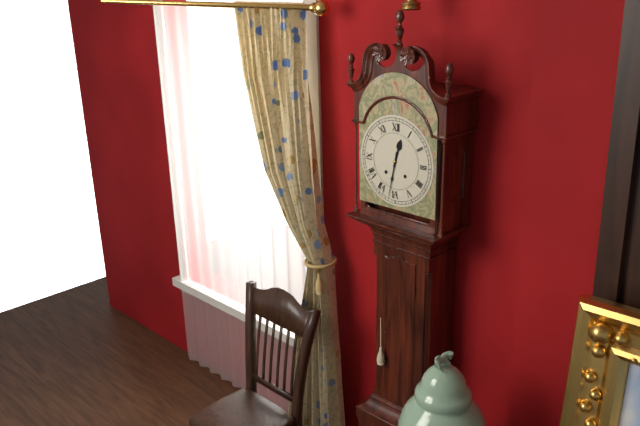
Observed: **12:32**
